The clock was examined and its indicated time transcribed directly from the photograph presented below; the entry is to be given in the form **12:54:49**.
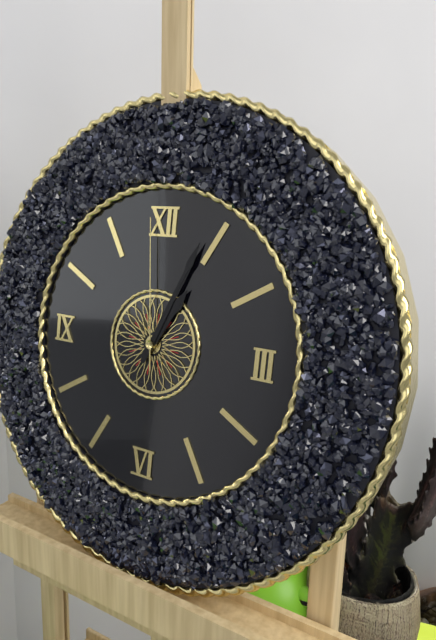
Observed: **1:04:59**
